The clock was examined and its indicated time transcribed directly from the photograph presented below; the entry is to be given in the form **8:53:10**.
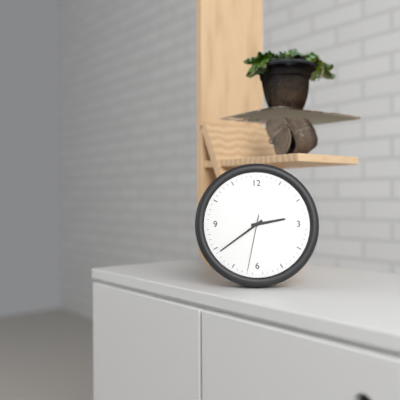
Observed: **2:39:32**
